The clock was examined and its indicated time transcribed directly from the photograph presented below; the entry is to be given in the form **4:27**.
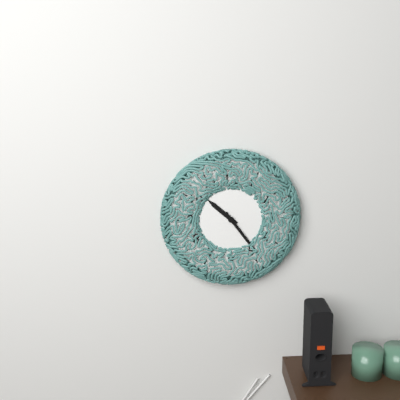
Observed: **10:24**
